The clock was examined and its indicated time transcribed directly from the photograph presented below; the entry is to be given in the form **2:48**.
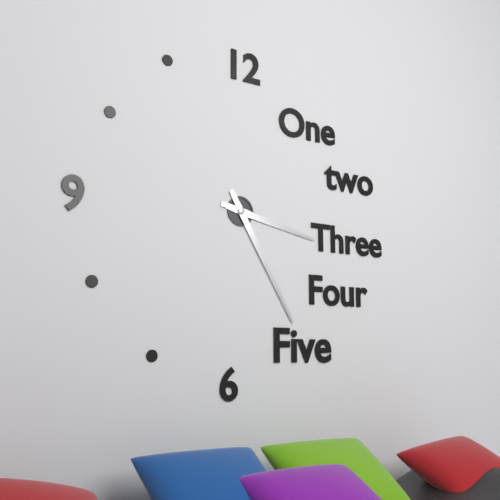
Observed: **3:25**
